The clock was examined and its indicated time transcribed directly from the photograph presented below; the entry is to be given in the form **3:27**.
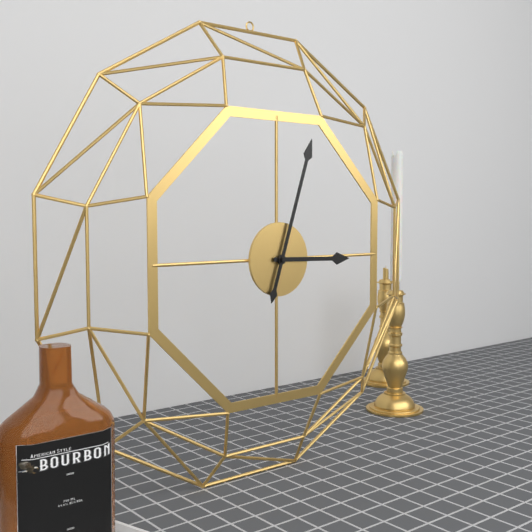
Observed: **3:03**
